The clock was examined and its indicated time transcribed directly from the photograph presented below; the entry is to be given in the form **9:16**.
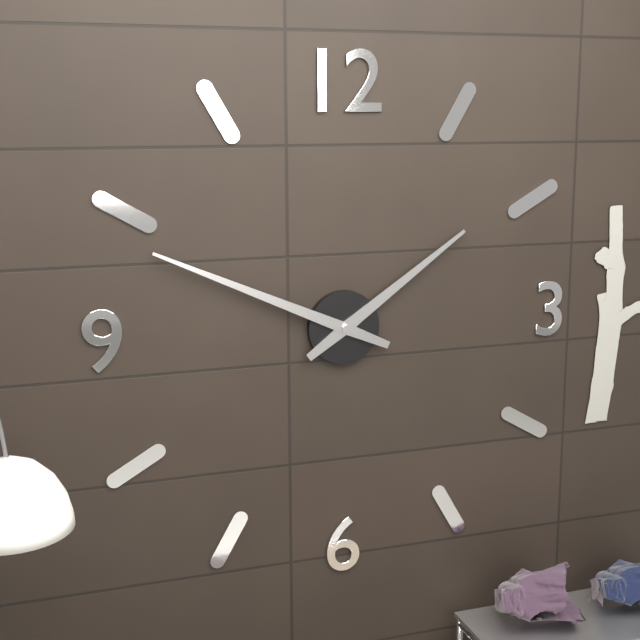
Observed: **1:49**
